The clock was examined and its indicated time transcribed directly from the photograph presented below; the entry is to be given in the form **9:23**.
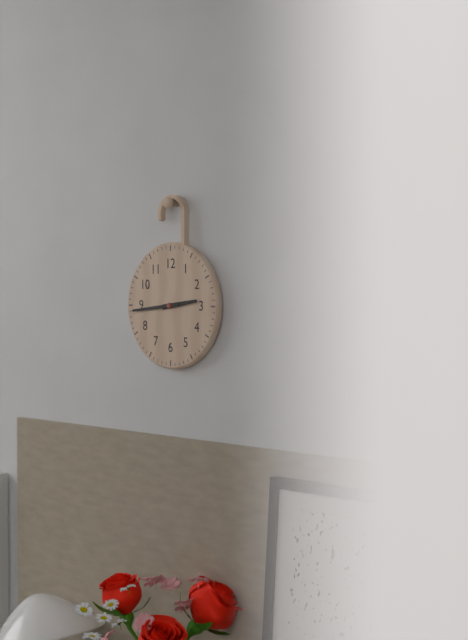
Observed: **2:44**
